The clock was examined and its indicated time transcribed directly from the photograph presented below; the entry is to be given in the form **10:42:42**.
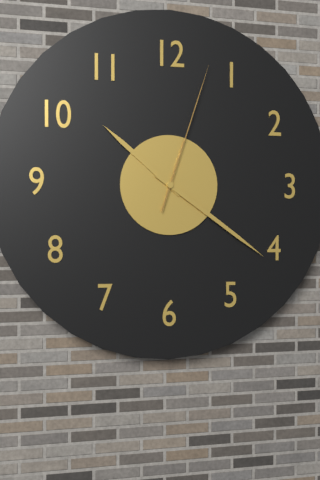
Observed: **10:21:03**
